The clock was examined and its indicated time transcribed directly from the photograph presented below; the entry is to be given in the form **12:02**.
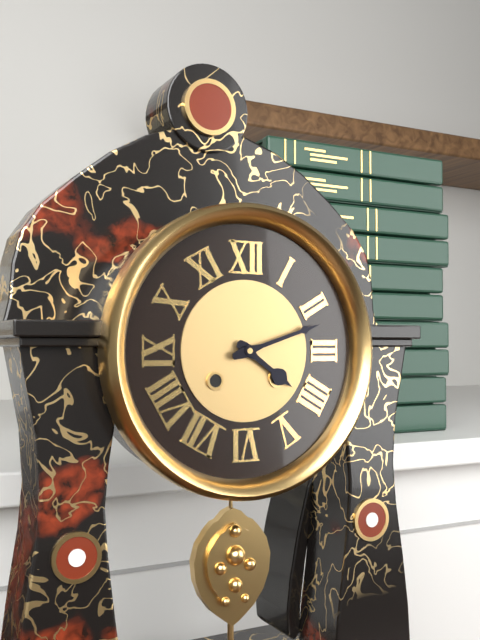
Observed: **4:12**
